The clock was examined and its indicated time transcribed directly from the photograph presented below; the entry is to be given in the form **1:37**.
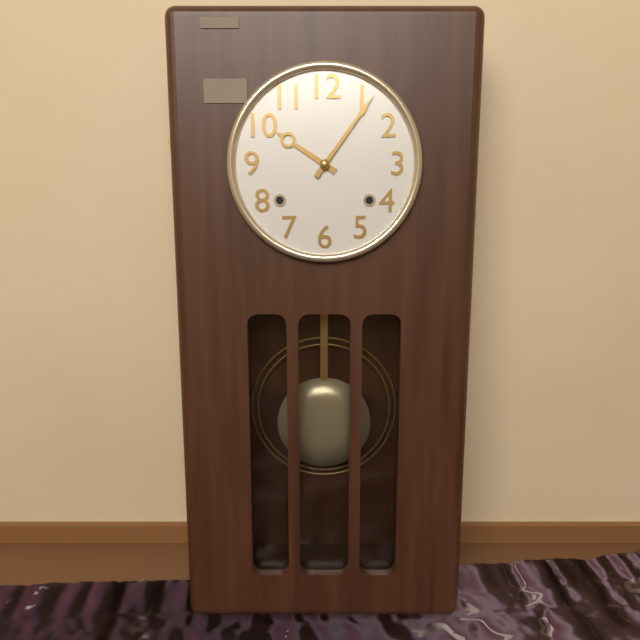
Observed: **10:06**
